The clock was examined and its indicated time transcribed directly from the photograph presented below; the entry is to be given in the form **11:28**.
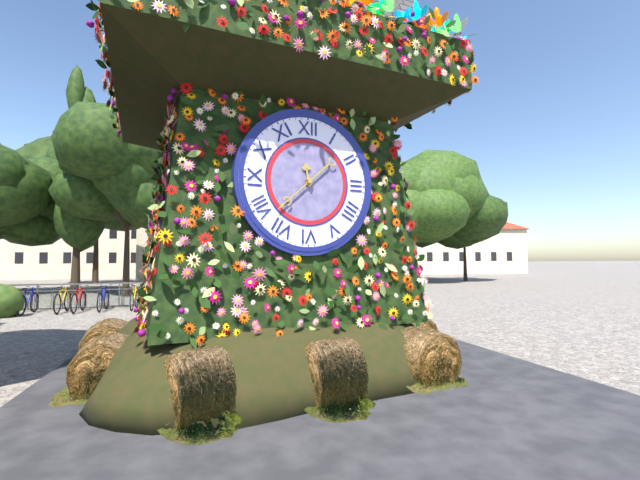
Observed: **11:38**
